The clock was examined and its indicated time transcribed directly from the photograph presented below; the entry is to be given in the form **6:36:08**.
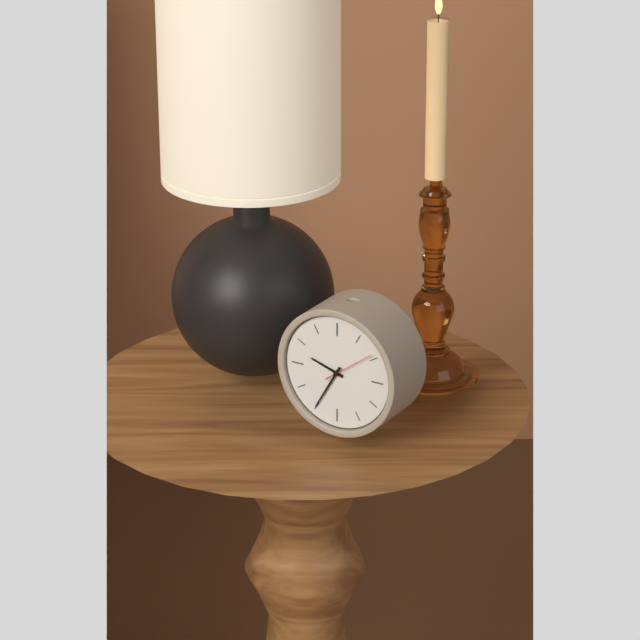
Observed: **9:35:09**
